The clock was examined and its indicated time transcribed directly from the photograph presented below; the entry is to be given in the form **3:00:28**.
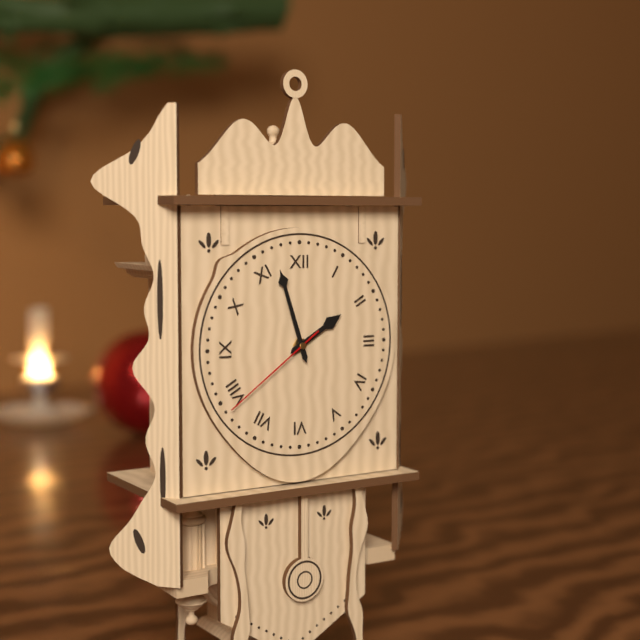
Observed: **1:57:39**
